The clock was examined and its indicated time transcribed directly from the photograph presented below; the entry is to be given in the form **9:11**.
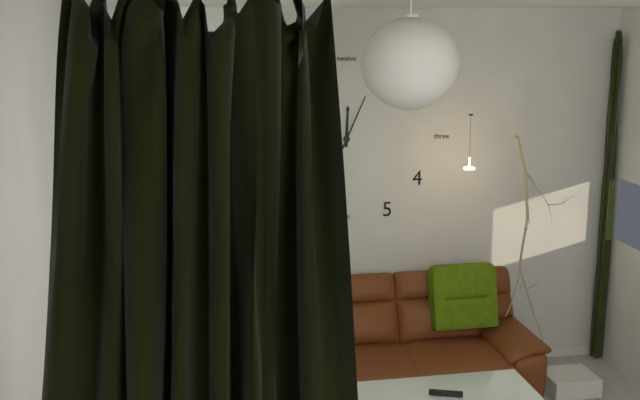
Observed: **12:04**
